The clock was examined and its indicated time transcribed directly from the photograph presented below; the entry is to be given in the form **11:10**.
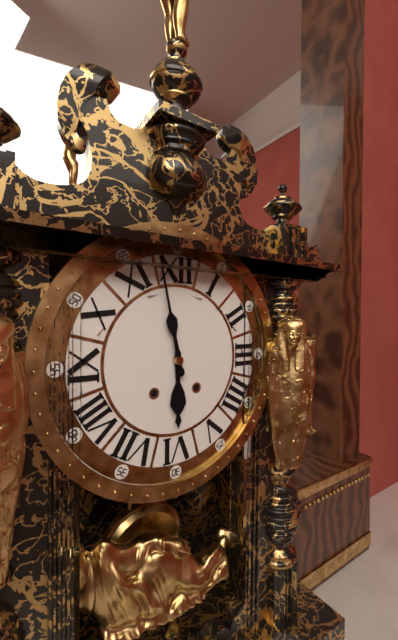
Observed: **5:58**
